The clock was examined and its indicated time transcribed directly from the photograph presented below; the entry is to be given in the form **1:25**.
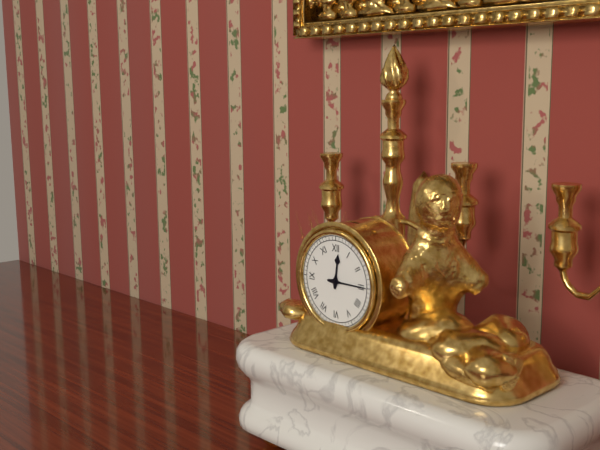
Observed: **12:15**
